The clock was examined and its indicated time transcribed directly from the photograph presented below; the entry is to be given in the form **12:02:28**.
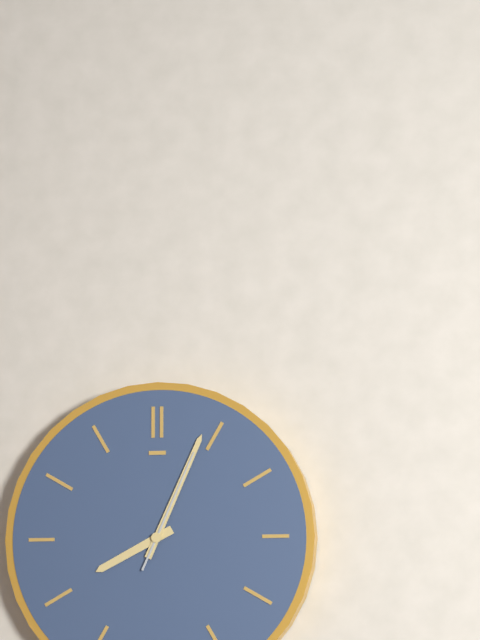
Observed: **8:04:04**
